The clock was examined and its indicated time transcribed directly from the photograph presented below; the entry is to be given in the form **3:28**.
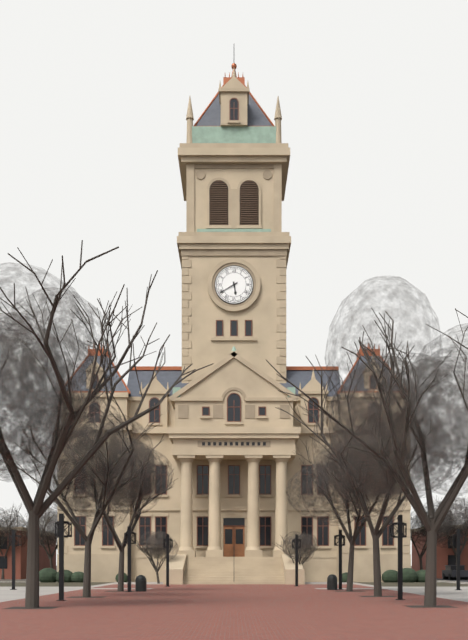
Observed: **5:40**
